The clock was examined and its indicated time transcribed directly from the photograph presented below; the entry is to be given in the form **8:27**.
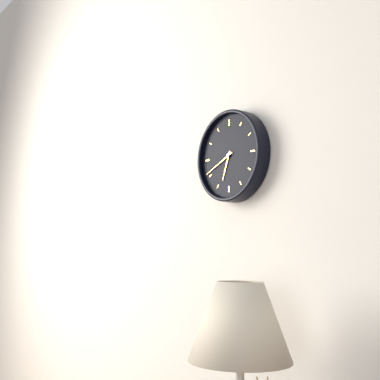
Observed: **6:41**
